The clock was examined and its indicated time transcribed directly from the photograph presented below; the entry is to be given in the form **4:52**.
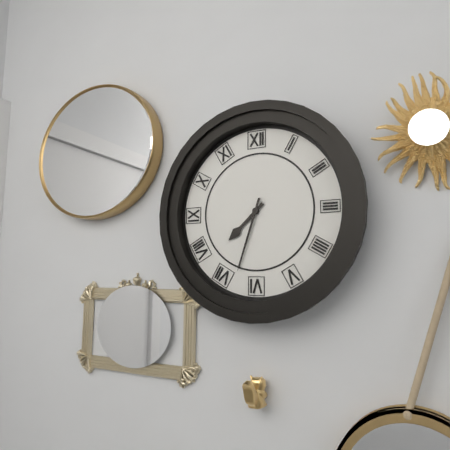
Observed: **7:33**
